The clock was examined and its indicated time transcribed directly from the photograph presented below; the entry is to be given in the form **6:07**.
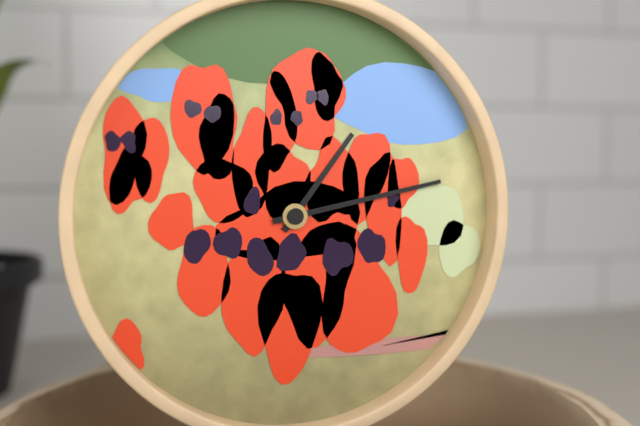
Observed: **1:13**
